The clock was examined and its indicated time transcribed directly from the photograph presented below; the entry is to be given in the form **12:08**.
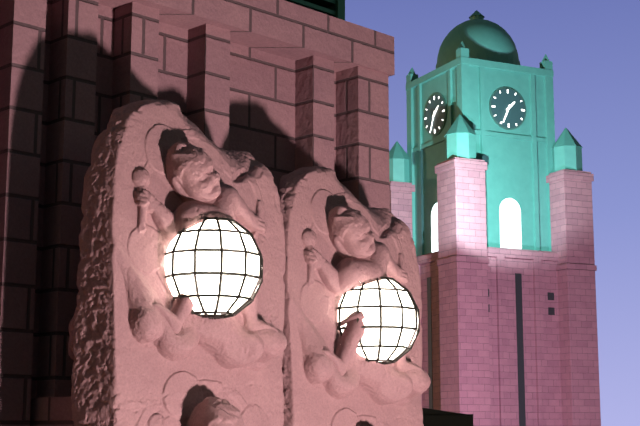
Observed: **1:34**
